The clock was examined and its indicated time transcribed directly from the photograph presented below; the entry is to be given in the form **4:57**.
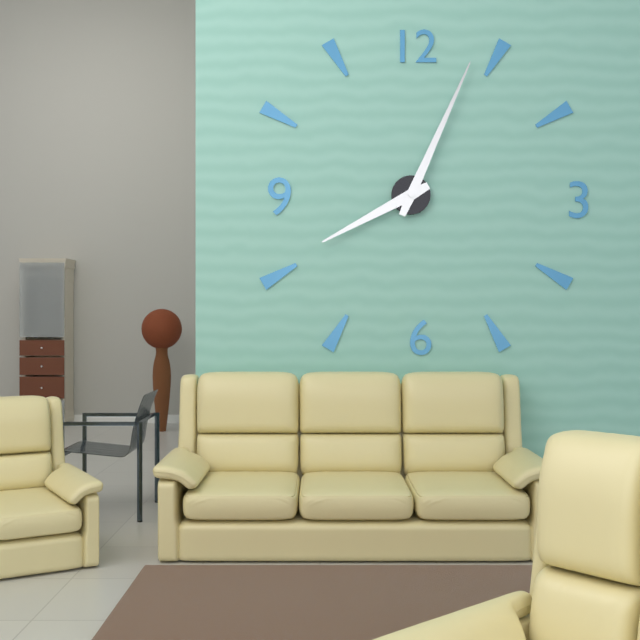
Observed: **8:04**
